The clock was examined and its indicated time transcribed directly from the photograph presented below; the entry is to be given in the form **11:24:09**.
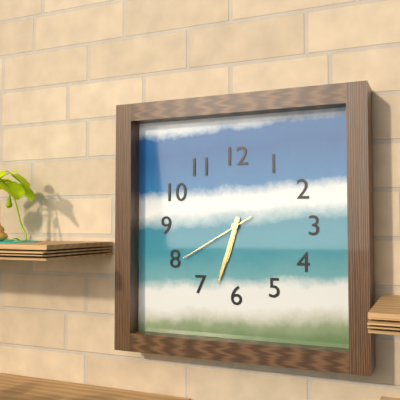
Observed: **6:33:40**
